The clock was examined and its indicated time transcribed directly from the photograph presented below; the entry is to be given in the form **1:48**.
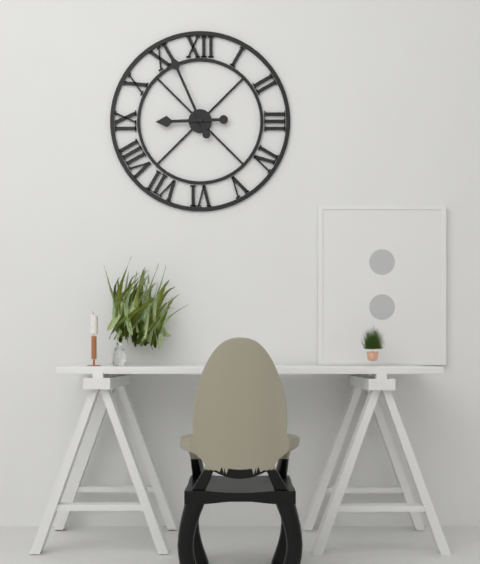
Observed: **8:56**
